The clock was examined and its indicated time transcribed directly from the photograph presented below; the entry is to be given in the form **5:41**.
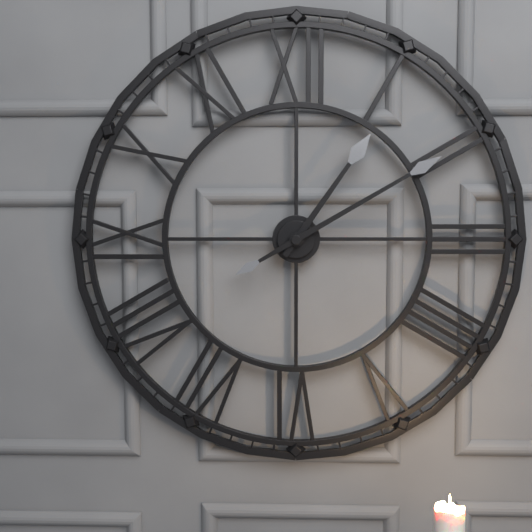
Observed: **1:10**
